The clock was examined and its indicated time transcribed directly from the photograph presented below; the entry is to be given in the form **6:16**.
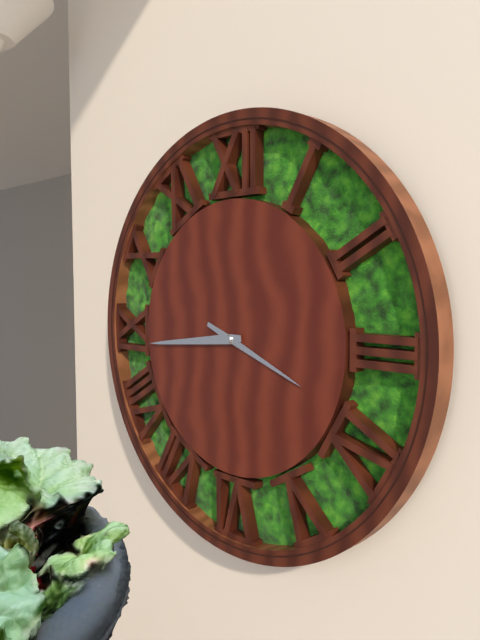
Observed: **3:44**
